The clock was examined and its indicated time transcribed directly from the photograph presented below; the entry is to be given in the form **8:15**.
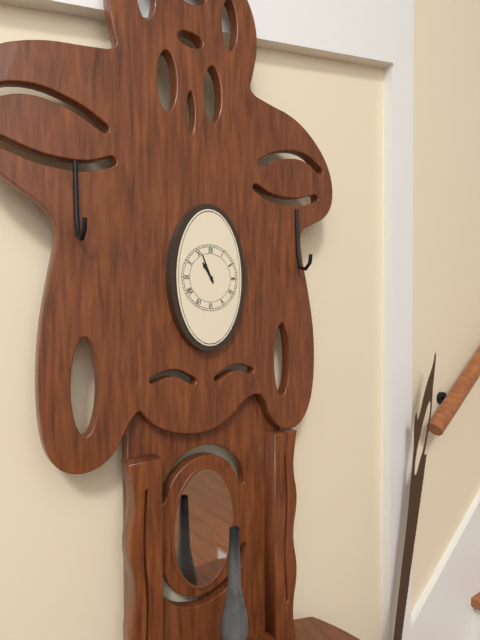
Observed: **10:56**
